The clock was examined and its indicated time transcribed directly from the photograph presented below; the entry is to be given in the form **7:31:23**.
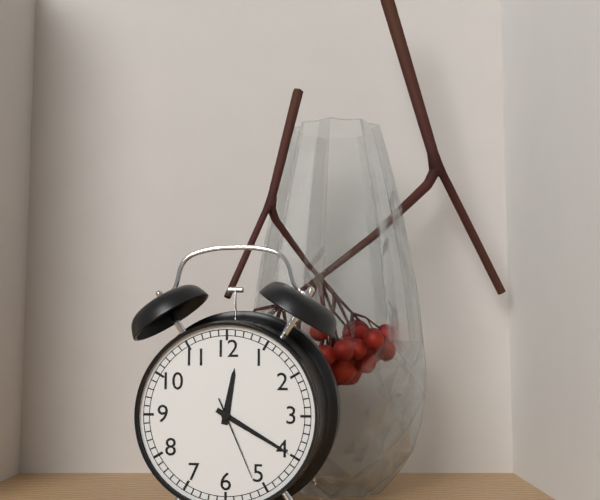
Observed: **12:20:26**
